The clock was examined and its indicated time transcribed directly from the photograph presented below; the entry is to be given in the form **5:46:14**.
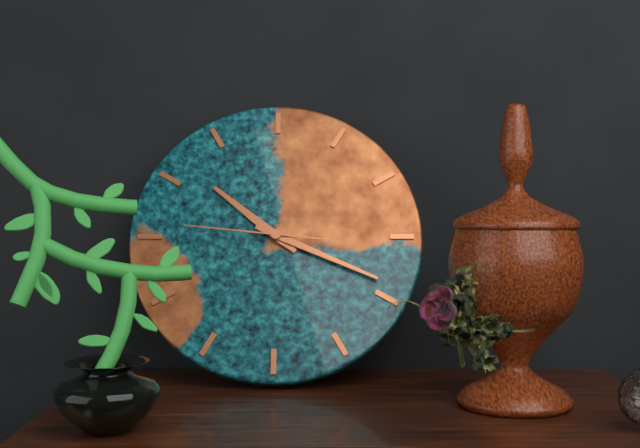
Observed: **10:19:46**
